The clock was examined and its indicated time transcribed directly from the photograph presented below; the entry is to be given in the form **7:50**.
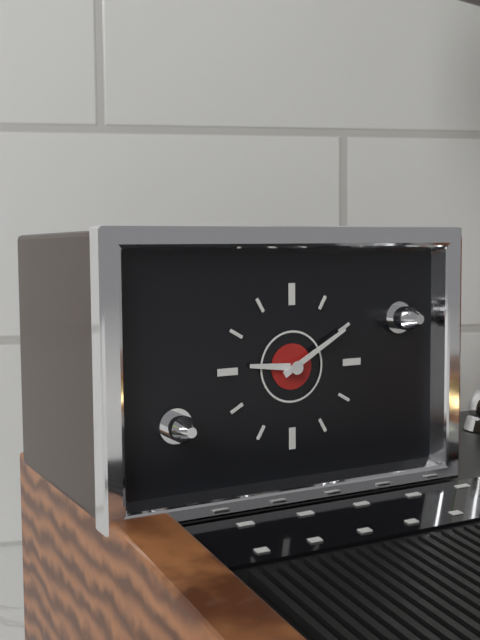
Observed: **9:10**
